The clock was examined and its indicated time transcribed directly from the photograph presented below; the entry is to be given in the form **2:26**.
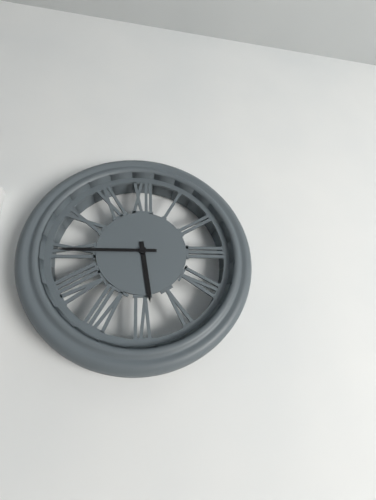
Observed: **5:45**
